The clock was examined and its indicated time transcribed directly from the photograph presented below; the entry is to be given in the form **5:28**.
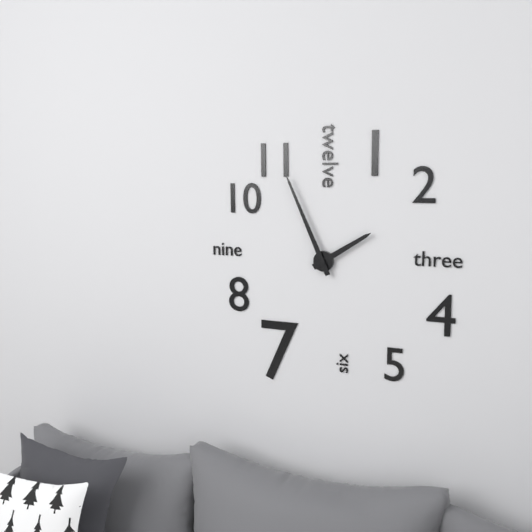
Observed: **1:56**
